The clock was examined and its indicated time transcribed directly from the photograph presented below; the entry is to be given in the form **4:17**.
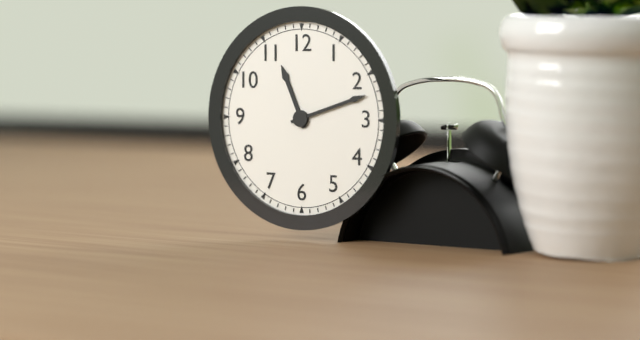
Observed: **11:12**
